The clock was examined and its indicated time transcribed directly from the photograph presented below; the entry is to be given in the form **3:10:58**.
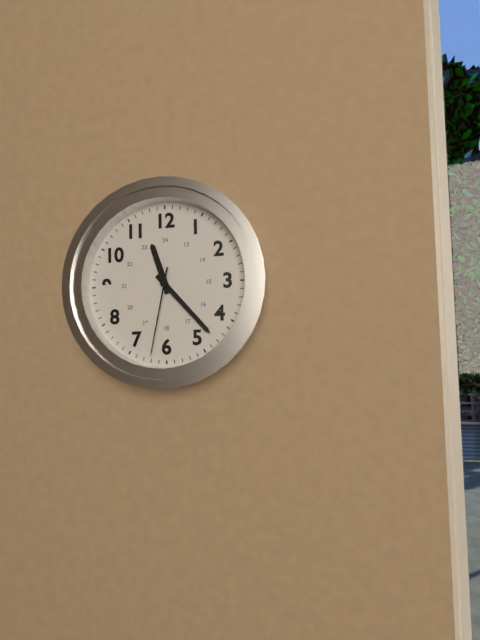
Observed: **11:23:32**
